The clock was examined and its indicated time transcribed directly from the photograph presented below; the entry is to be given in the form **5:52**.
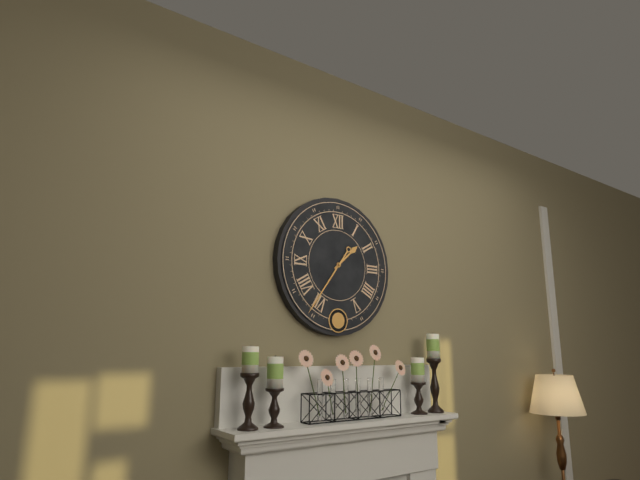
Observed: **1:36**
